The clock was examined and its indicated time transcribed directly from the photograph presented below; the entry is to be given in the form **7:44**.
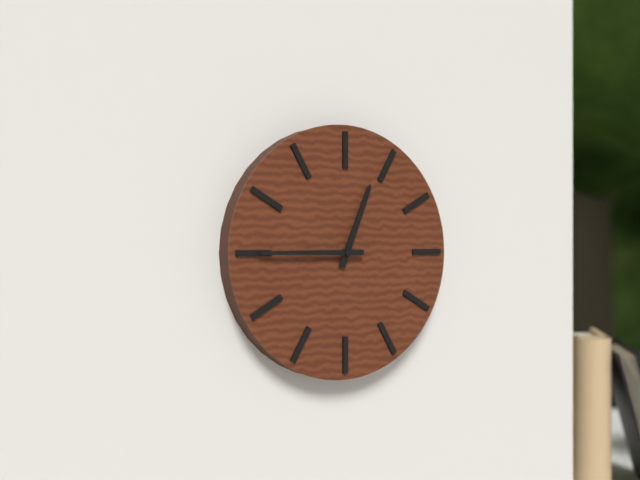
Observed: **12:45**
